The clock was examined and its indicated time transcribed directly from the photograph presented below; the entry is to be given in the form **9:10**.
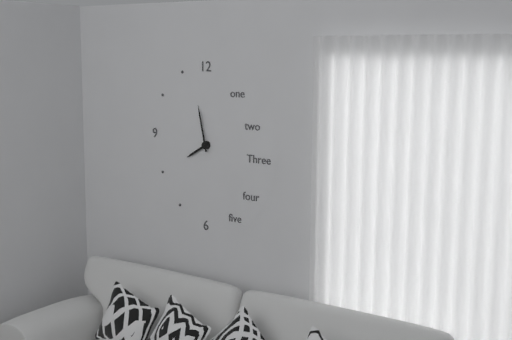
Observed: **7:58**
